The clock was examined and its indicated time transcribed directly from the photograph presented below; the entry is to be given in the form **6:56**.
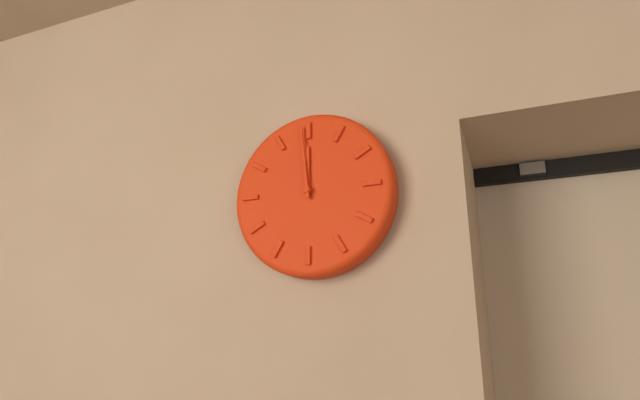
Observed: **11:59**
